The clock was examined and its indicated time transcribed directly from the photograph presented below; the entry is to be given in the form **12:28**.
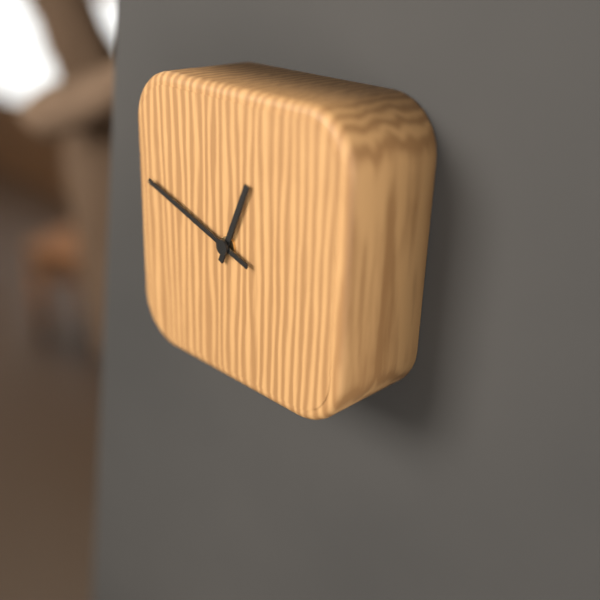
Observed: **12:48**
